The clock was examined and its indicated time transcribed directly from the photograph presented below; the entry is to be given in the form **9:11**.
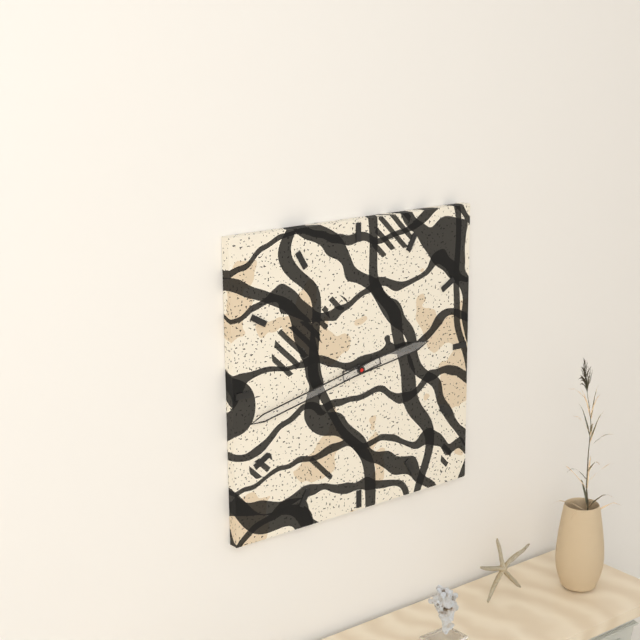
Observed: **2:43**
